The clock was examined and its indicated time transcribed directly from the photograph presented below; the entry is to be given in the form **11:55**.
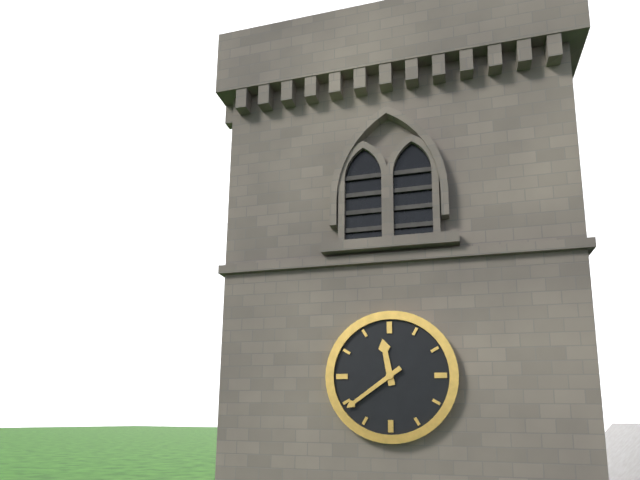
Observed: **11:39**
